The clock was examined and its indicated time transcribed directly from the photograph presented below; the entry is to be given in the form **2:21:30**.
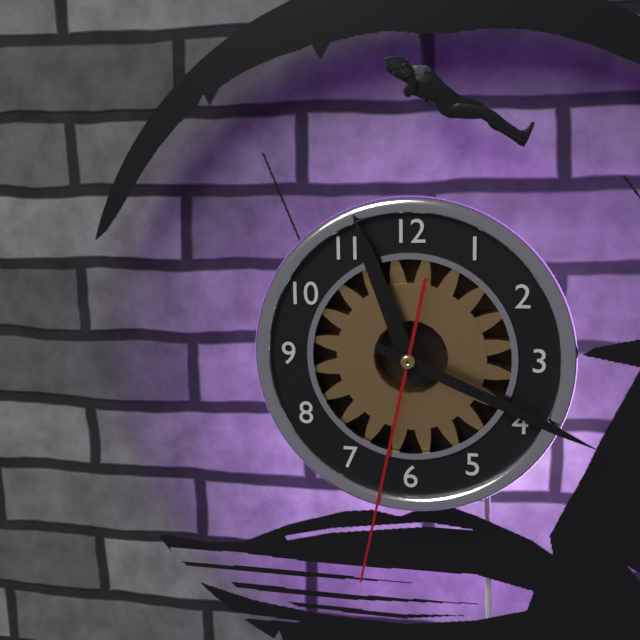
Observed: **11:19:32**
